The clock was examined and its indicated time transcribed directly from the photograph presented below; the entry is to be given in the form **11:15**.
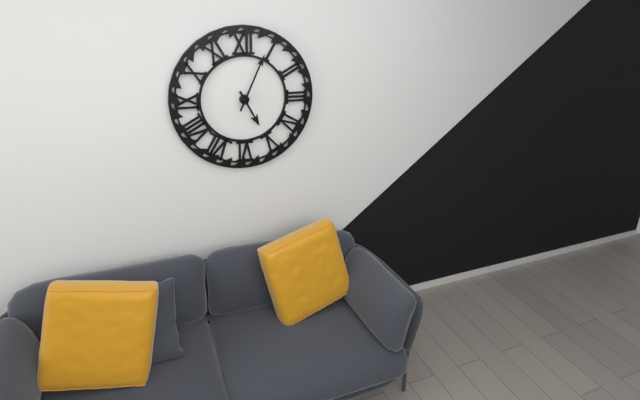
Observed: **5:04**
